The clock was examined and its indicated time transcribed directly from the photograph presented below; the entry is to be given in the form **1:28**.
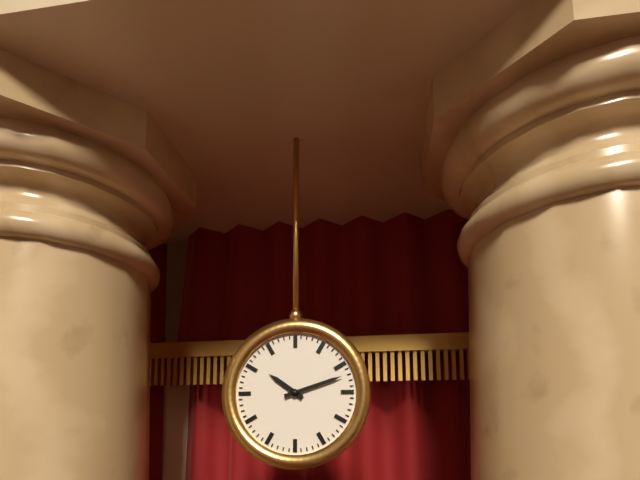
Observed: **10:12**
